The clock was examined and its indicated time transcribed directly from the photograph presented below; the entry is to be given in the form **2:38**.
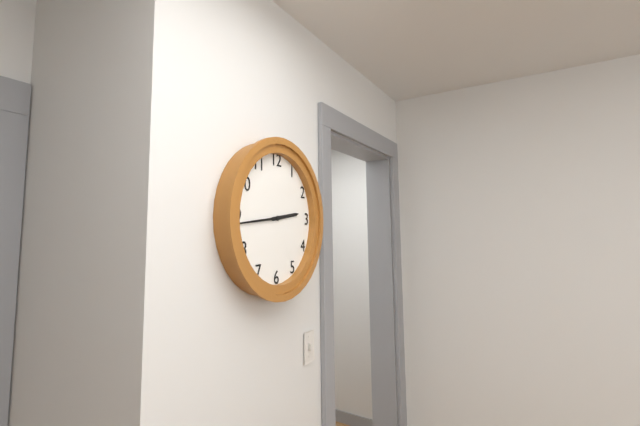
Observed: **2:44**
